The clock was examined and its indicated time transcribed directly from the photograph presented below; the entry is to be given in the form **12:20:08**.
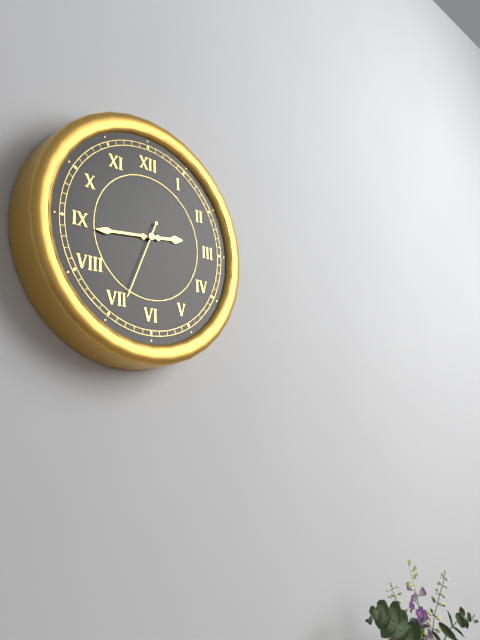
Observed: **2:44:34**
